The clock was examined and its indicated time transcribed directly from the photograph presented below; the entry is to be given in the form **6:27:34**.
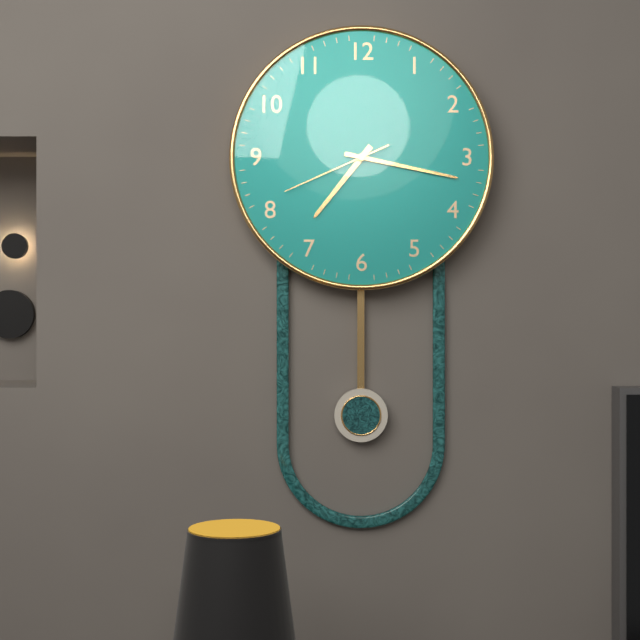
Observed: **7:17:41**
